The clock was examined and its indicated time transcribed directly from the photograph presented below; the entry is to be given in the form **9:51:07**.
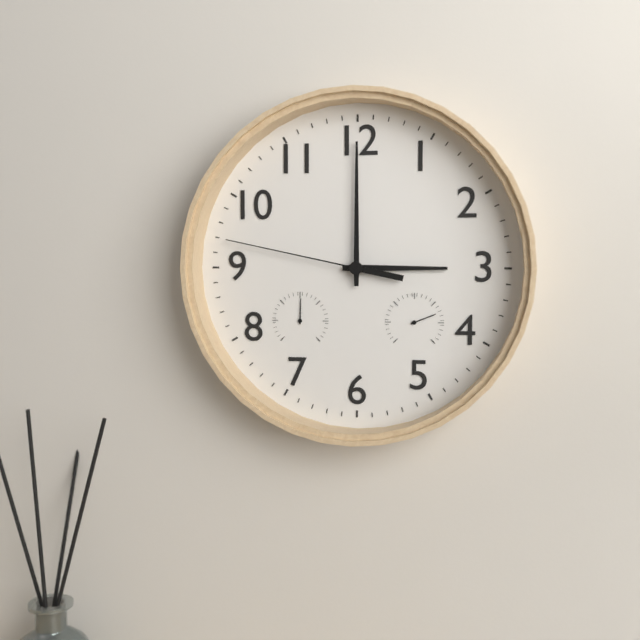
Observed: **3:00:47**
